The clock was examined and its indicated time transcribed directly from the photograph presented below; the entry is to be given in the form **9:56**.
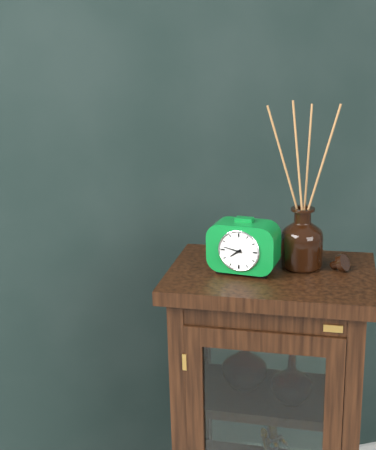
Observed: **7:47**
